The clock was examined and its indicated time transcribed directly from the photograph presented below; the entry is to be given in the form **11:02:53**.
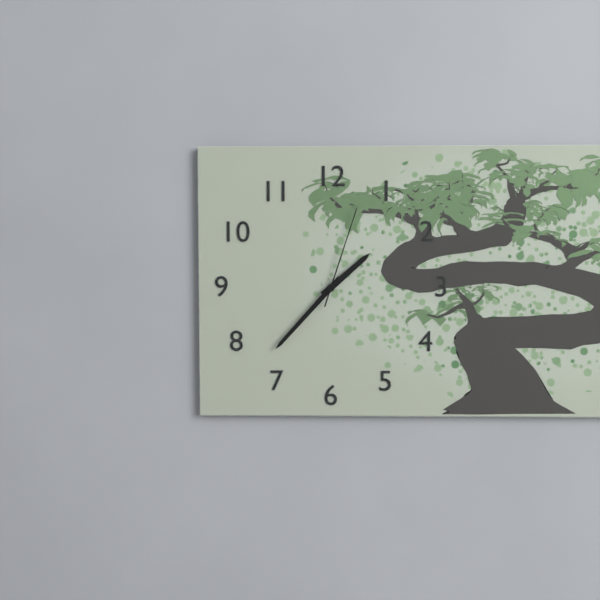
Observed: **1:37:03**
